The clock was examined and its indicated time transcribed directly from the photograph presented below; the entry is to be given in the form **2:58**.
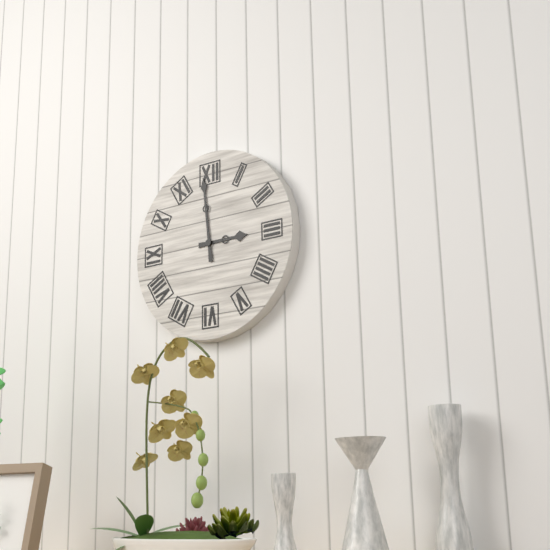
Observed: **2:59**
